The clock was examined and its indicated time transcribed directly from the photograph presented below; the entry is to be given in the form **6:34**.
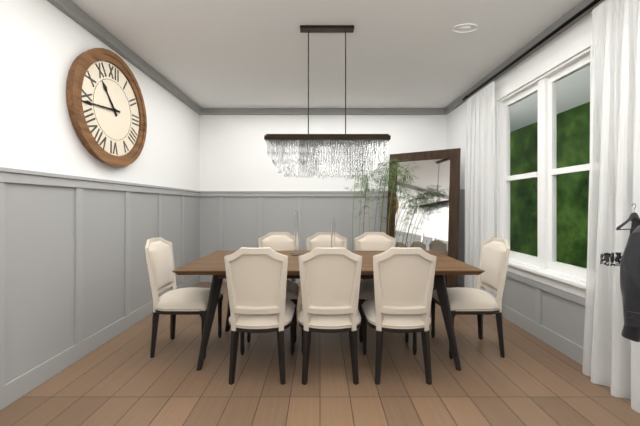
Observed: **10:44**
